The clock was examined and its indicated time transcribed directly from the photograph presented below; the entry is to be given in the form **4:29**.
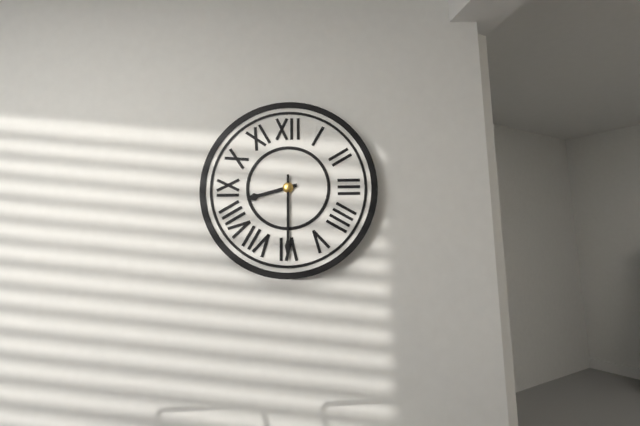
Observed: **8:30**
